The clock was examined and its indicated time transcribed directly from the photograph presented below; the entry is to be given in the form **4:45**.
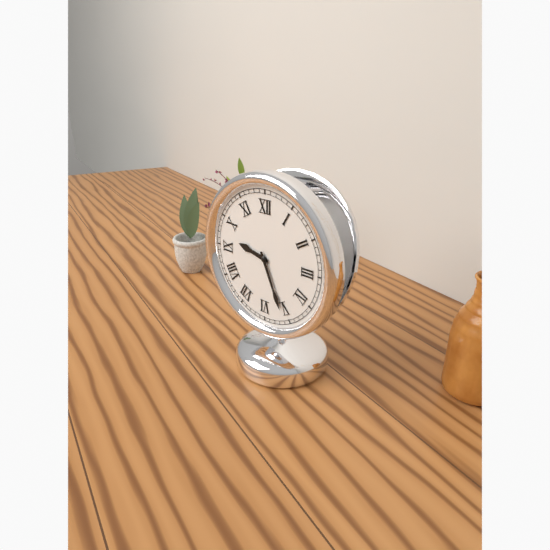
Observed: **9:26**
